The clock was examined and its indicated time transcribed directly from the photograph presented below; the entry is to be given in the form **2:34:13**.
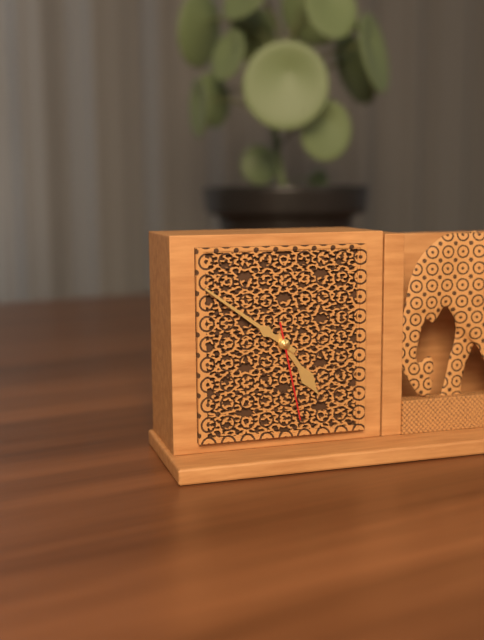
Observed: **4:51:28**
